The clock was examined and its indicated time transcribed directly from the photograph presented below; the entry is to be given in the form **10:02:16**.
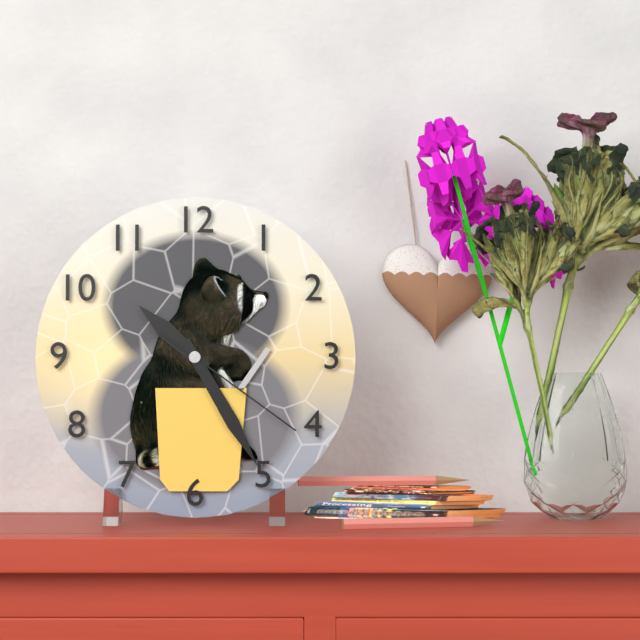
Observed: **10:25:21**
